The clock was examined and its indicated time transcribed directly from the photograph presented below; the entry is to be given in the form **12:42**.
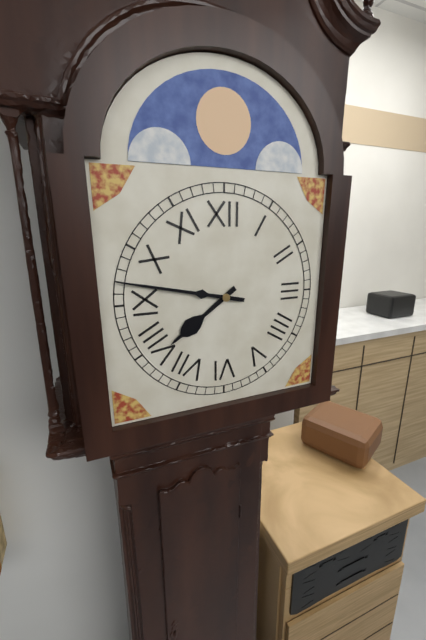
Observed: **7:47**
